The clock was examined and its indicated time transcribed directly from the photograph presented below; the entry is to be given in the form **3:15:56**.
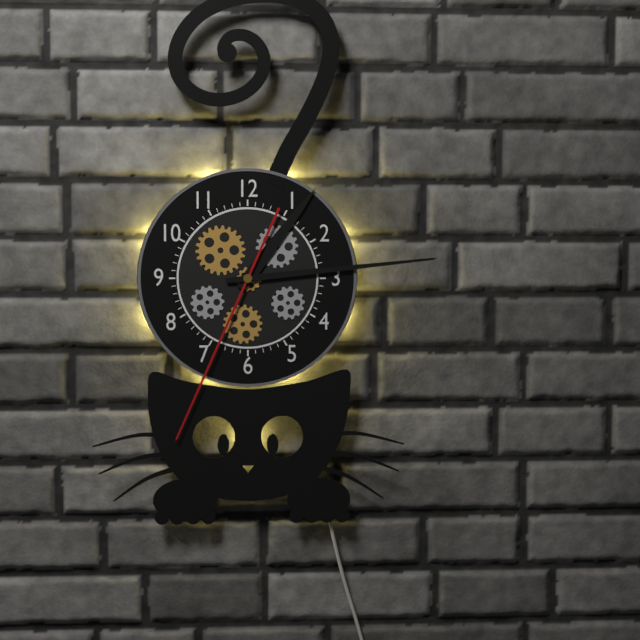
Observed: **1:14:34**
